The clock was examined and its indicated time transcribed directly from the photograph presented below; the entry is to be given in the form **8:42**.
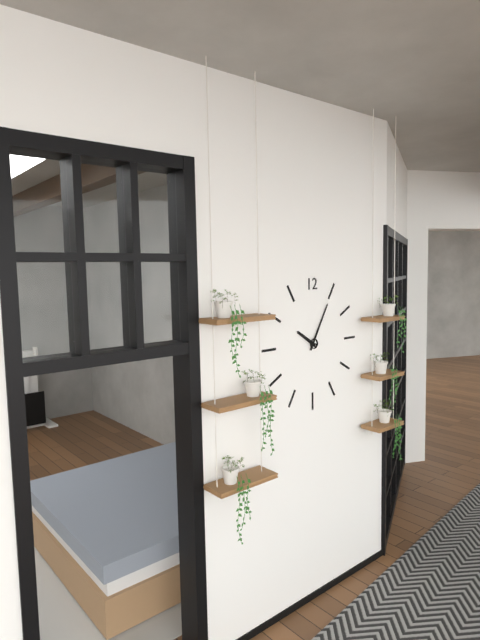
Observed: **10:05**
